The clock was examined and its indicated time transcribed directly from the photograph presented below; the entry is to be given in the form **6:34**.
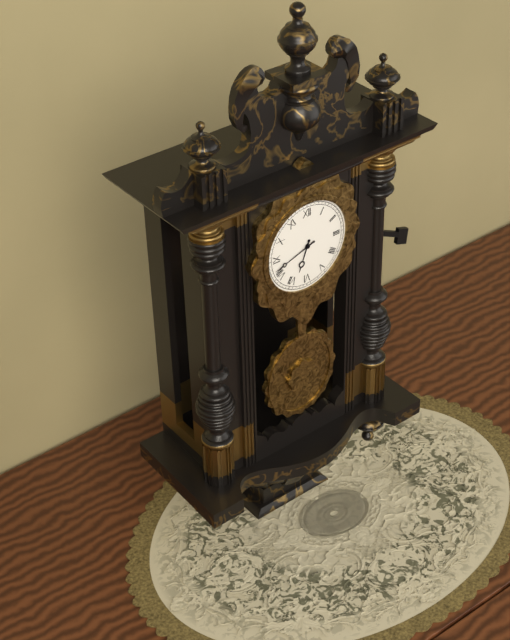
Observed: **6:42**
